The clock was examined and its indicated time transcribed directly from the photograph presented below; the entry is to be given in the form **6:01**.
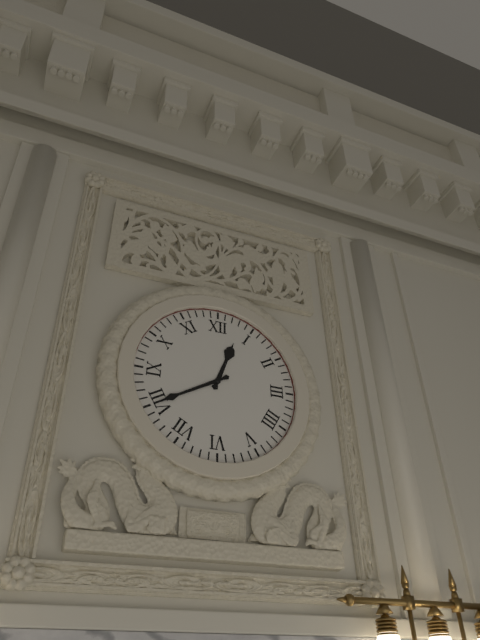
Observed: **12:40**
